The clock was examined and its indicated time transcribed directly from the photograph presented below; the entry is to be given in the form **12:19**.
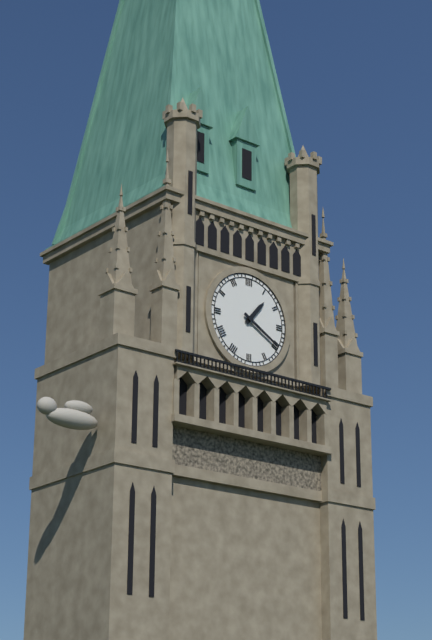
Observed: **1:20**
